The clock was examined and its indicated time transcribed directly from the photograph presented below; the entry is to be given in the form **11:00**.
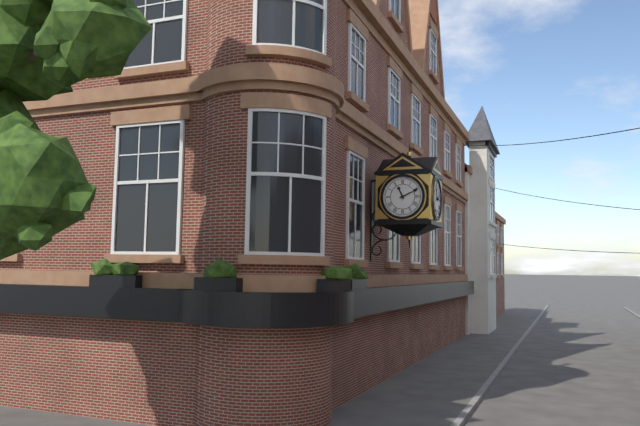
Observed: **11:11**
